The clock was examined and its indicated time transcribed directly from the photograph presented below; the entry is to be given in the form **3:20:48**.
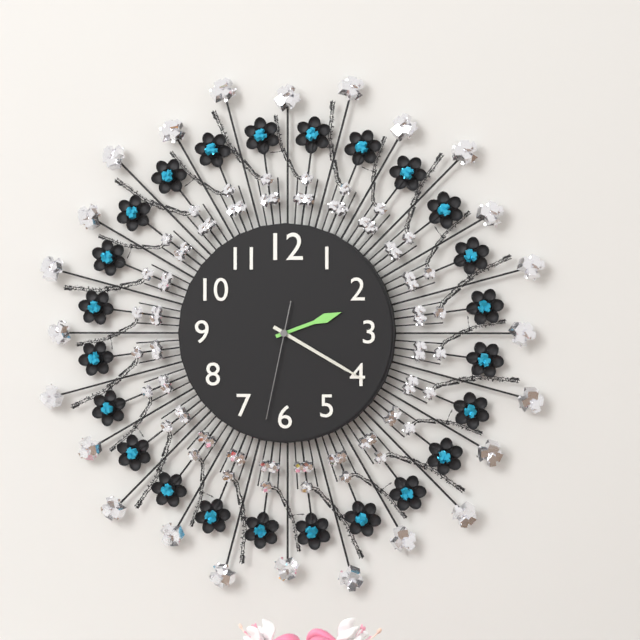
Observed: **2:20:32**
